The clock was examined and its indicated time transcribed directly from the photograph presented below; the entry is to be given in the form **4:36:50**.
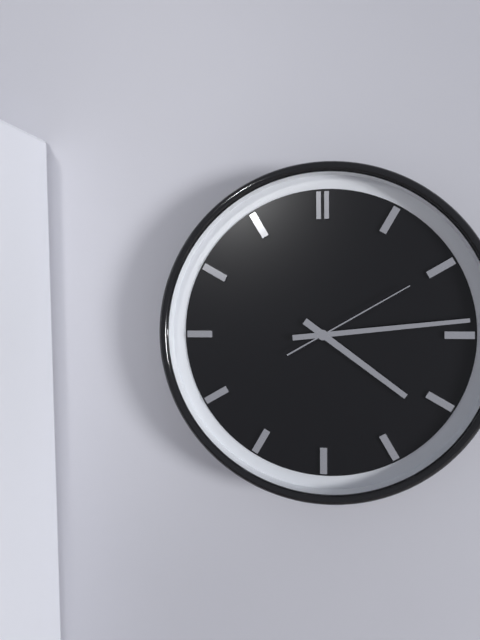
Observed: **4:14:10**
